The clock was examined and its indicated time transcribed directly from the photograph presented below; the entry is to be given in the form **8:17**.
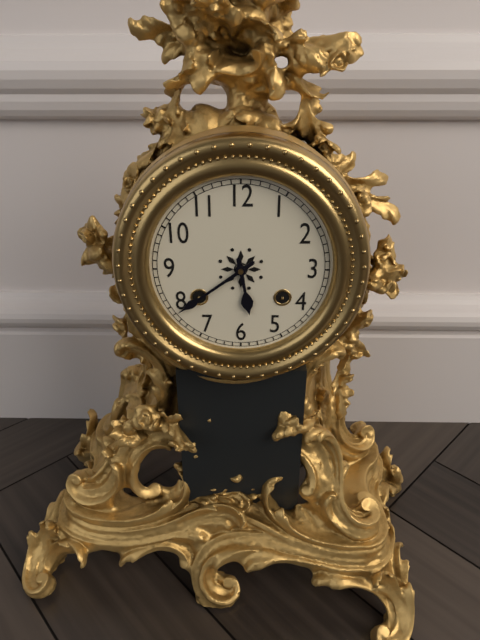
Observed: **5:39**
